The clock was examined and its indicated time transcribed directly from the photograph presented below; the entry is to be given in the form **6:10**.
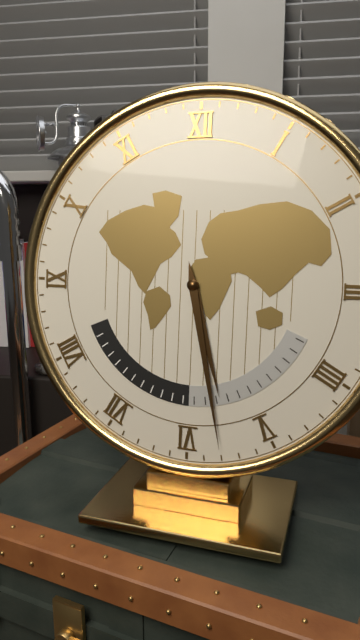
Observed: **5:28**
